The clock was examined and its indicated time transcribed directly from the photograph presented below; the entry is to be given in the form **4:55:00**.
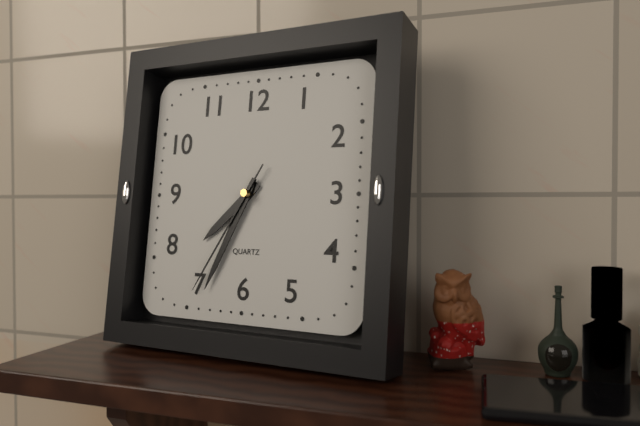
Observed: **7:34:35**
